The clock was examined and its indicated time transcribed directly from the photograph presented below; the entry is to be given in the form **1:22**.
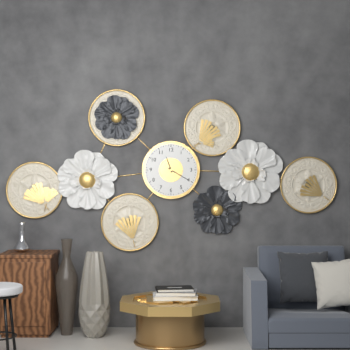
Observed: **11:20**
